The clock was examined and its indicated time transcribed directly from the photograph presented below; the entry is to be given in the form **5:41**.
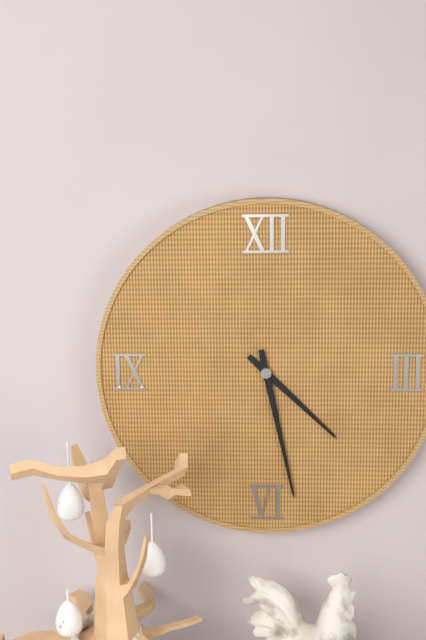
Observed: **4:28**
